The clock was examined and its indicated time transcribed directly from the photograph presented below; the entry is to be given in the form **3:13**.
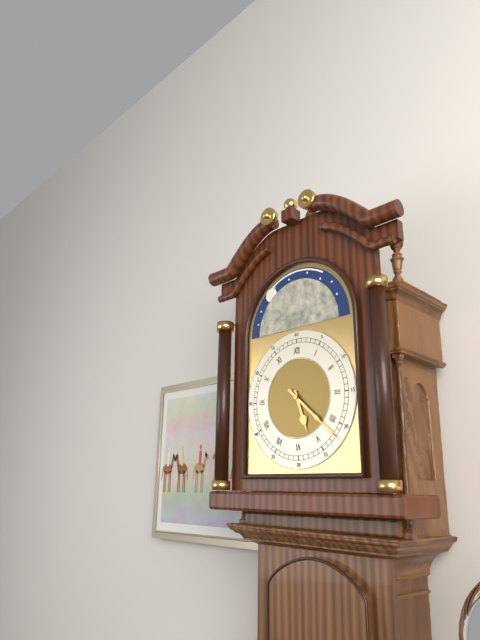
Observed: **5:22**
